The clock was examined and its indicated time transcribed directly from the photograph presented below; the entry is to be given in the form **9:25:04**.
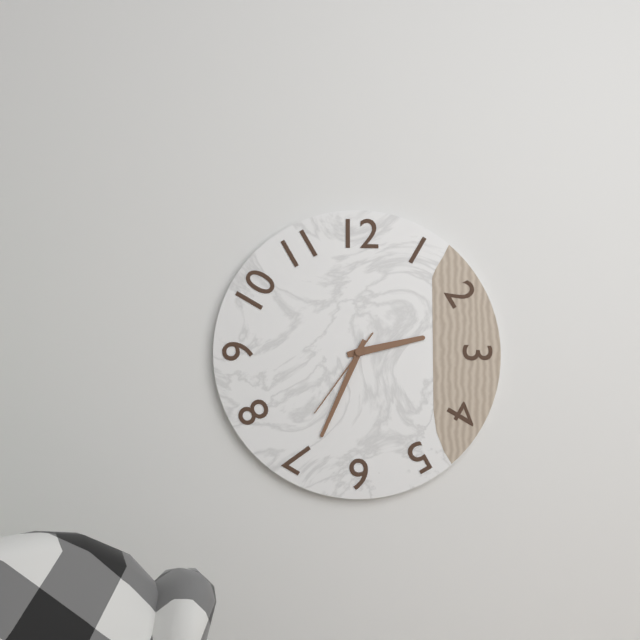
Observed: **2:34:36**
